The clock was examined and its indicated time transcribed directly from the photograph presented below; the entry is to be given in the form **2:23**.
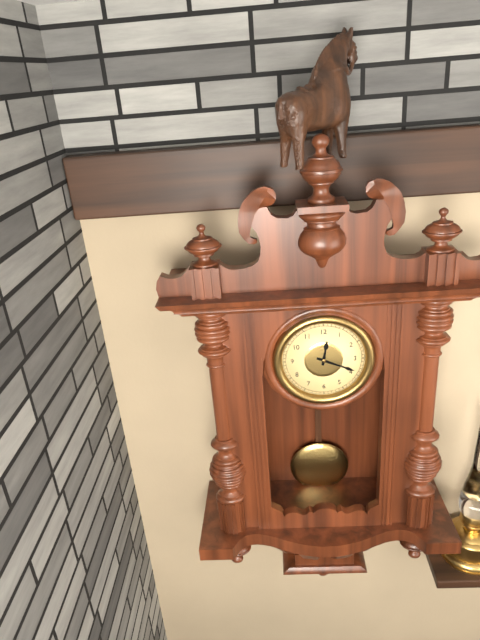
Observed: **12:19**
